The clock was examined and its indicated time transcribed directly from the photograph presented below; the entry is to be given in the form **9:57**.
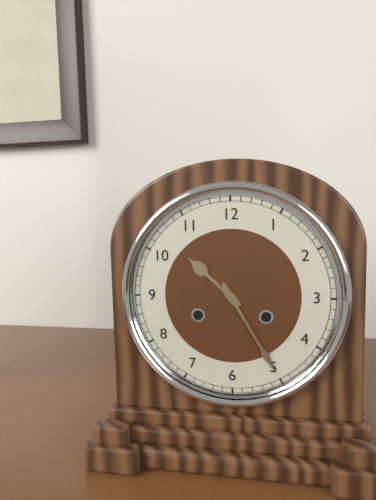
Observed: **10:25**
